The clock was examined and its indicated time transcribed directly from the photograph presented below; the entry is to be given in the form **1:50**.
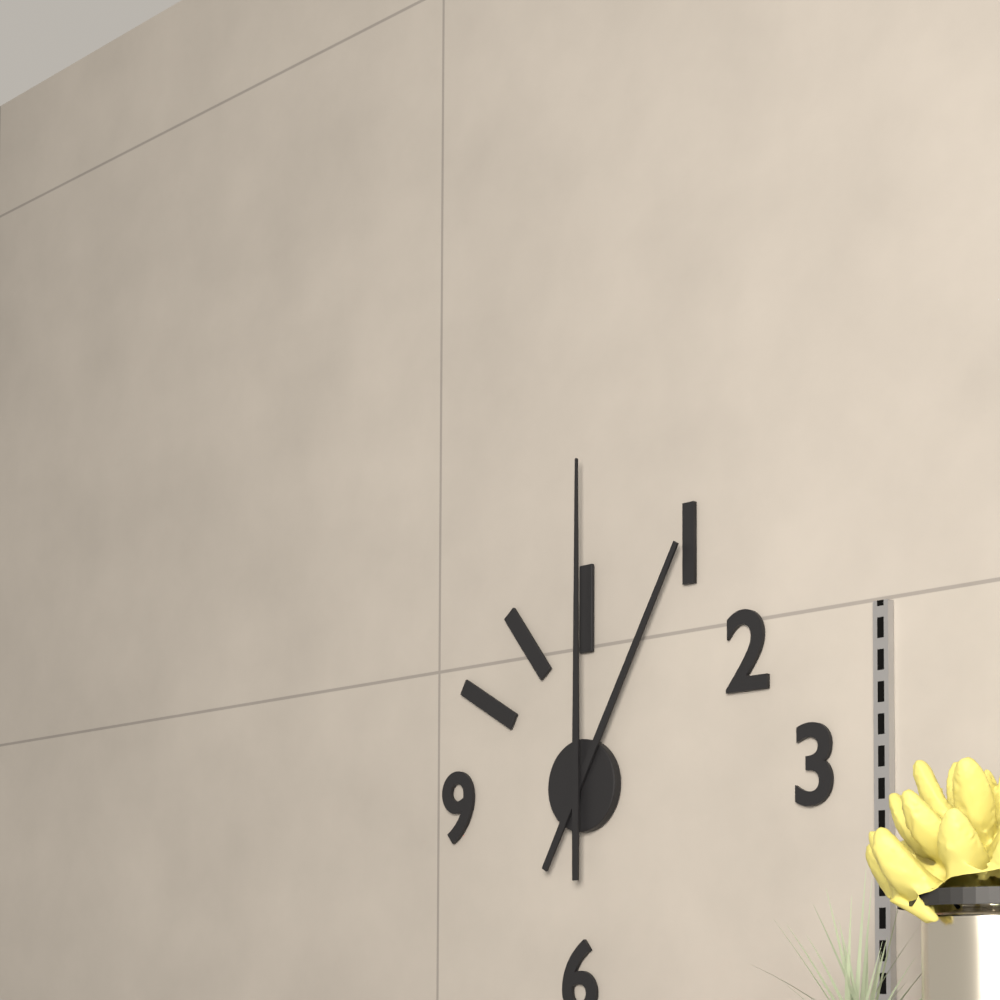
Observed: **1:00**
